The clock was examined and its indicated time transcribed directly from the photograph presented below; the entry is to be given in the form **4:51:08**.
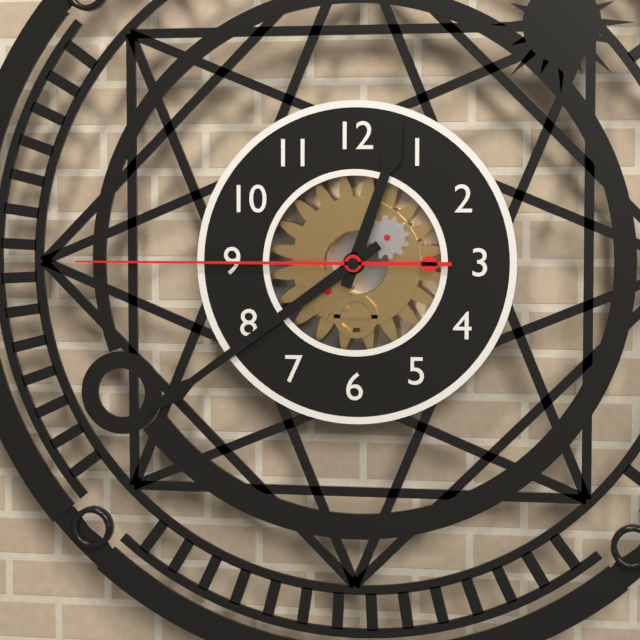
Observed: **12:39:45**
